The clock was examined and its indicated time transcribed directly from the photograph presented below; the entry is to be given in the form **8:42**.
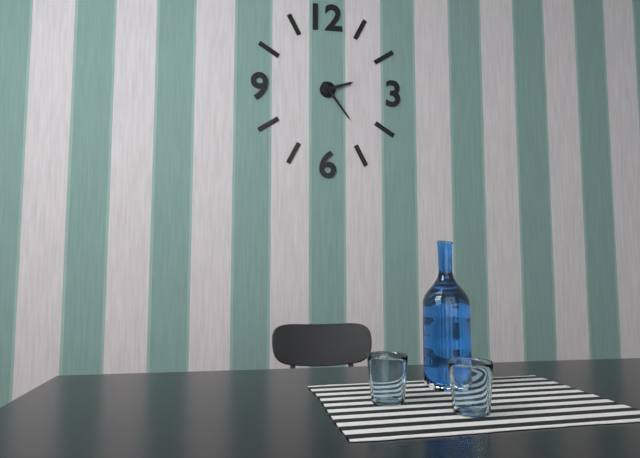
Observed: **2:24**
